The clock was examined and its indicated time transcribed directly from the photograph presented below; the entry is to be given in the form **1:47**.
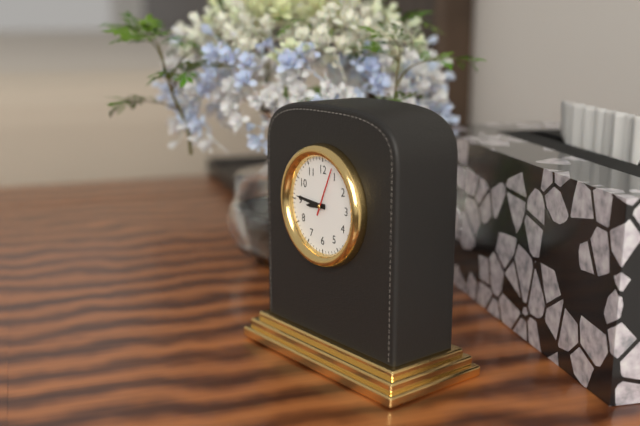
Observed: **8:46**
